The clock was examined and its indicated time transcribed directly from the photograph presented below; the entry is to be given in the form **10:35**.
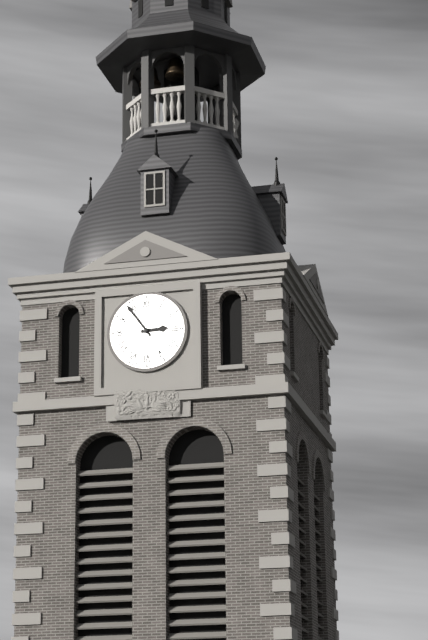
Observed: **2:54**
